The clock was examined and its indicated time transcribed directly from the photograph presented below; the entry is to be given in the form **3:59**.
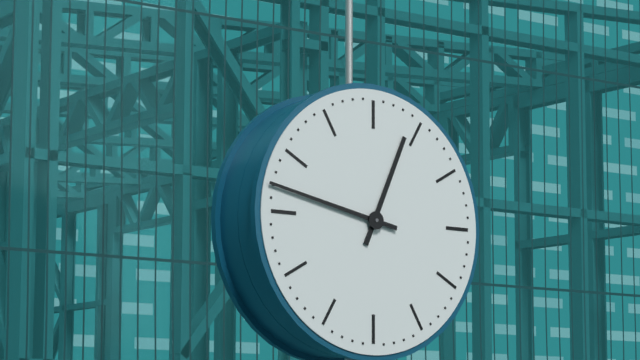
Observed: **12:47**
